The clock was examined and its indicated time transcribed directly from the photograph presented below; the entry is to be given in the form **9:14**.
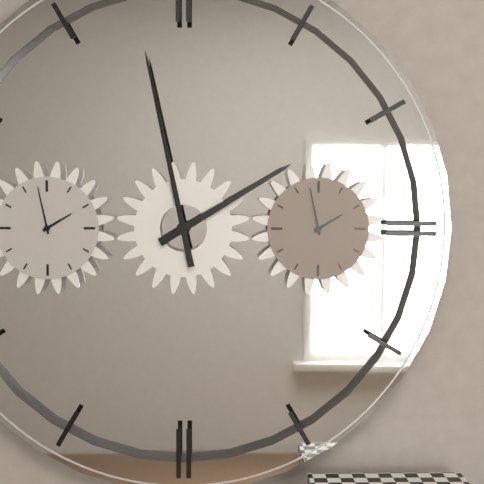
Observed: **1:58**
